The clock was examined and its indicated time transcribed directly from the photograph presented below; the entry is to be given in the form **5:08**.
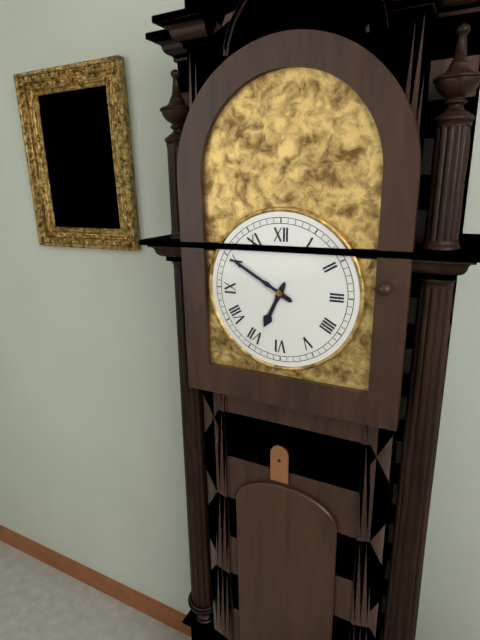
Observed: **6:50**
